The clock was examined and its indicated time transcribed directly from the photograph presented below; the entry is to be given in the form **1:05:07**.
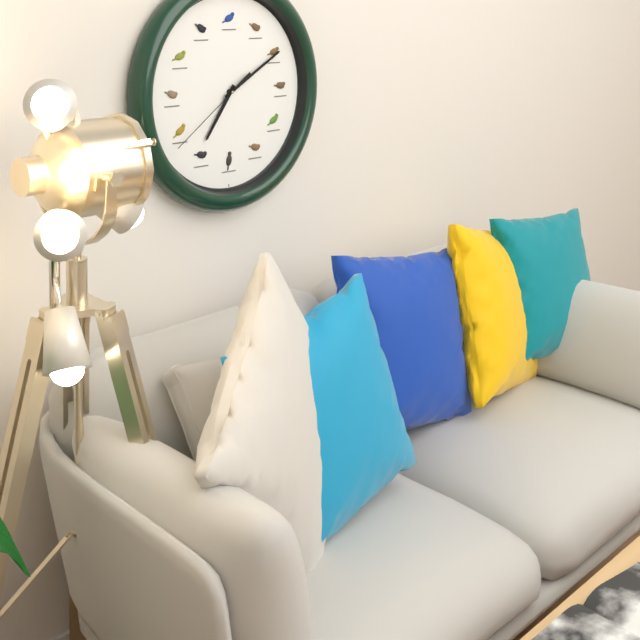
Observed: **7:10:39**
